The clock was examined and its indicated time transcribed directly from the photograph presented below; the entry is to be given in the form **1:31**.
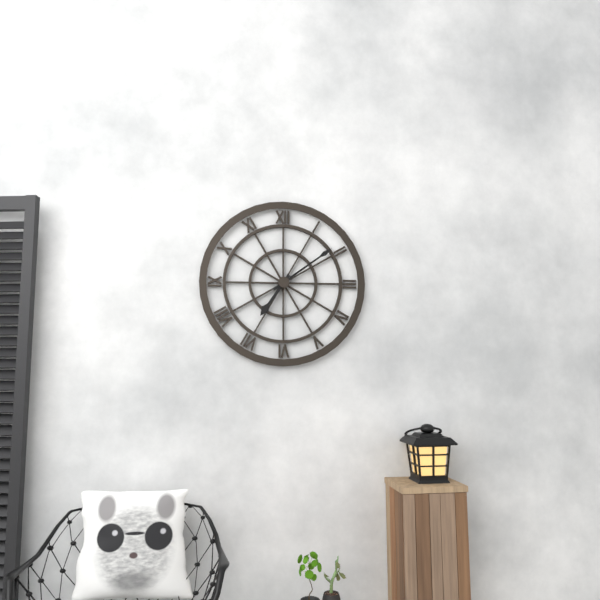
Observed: **7:09**
